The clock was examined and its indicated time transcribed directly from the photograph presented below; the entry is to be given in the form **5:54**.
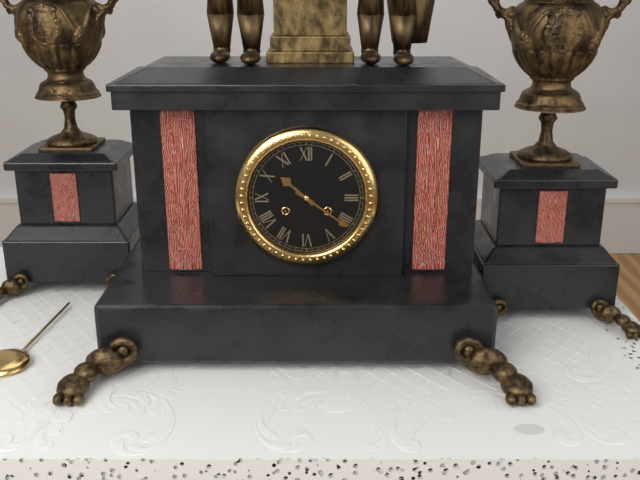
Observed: **10:21**
